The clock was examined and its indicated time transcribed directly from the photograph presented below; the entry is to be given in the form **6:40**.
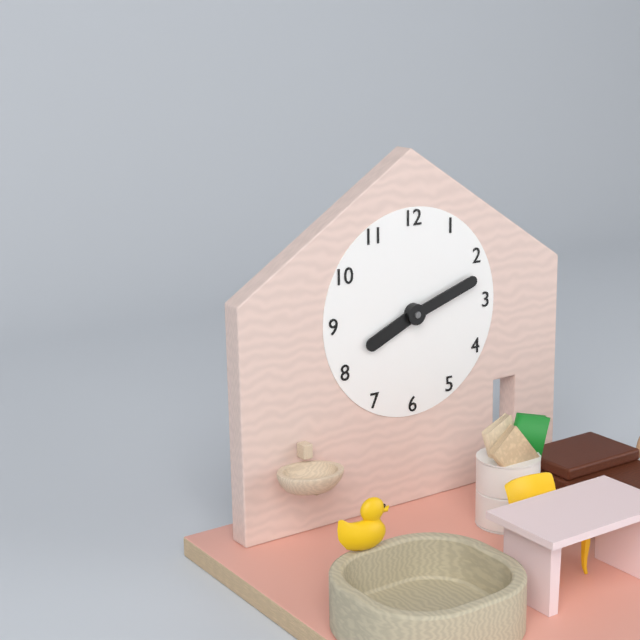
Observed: **8:12**
